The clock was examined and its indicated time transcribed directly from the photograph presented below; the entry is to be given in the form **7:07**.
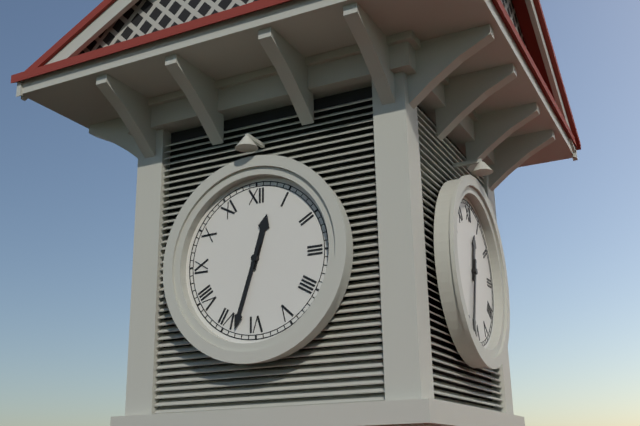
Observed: **12:33**
